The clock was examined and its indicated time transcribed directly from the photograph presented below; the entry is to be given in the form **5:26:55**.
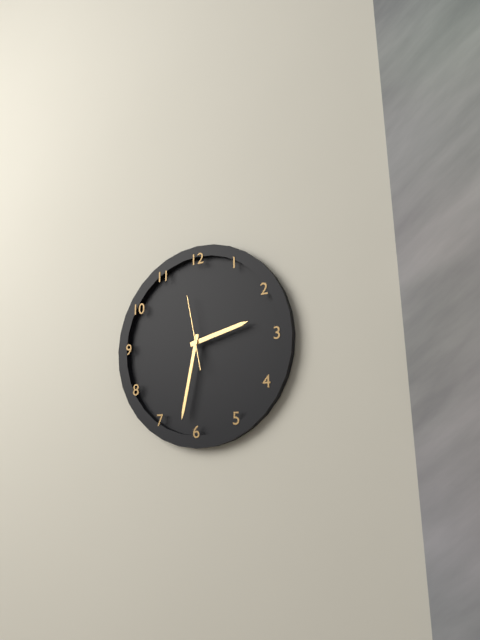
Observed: **2:32:58**
